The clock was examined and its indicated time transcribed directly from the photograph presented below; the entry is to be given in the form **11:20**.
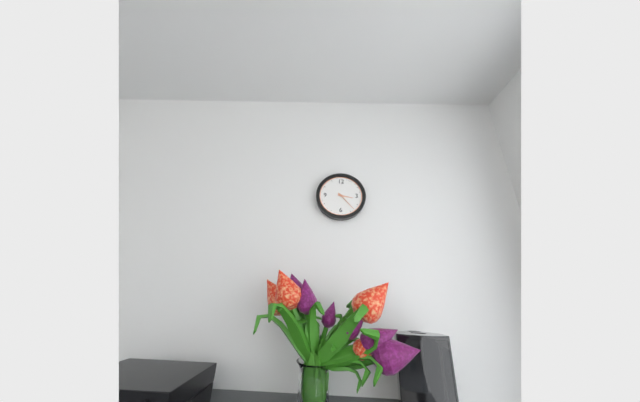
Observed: **3:23**
